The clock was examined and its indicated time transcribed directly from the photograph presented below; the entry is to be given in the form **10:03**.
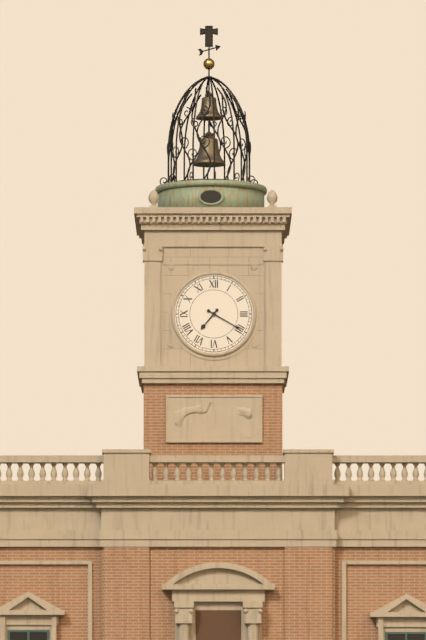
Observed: **7:20**
